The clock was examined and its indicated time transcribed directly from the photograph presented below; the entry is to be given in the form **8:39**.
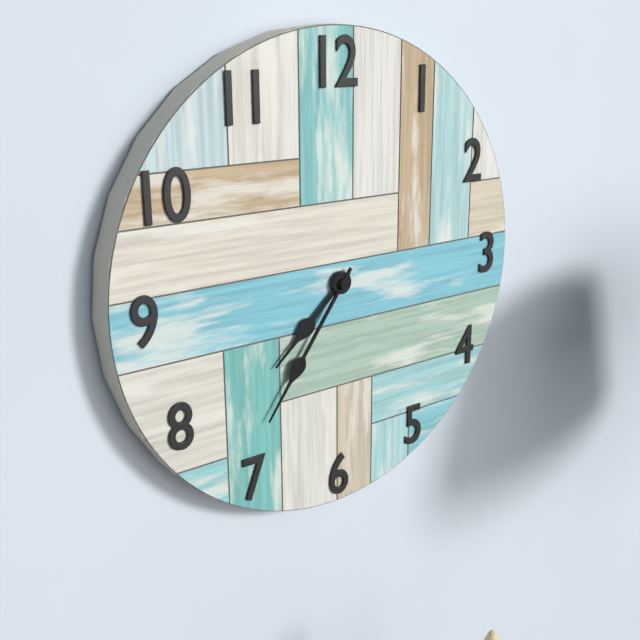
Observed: **7:36**
